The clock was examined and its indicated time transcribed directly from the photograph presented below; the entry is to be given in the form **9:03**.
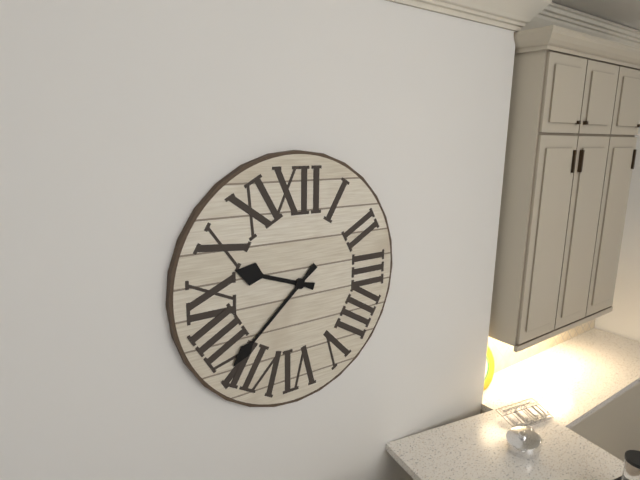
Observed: **9:38**
